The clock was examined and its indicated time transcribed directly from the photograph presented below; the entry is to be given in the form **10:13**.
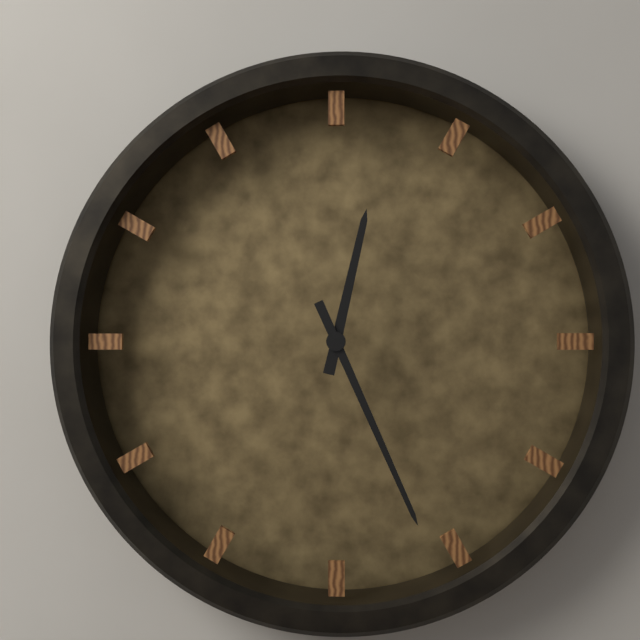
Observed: **12:26**
